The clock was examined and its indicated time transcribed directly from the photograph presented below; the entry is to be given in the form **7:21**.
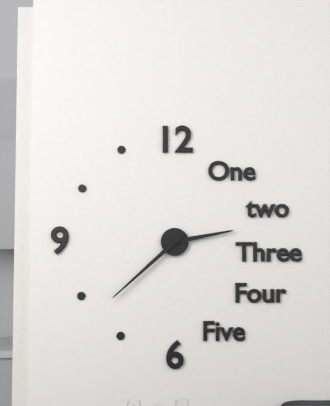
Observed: **2:38**
